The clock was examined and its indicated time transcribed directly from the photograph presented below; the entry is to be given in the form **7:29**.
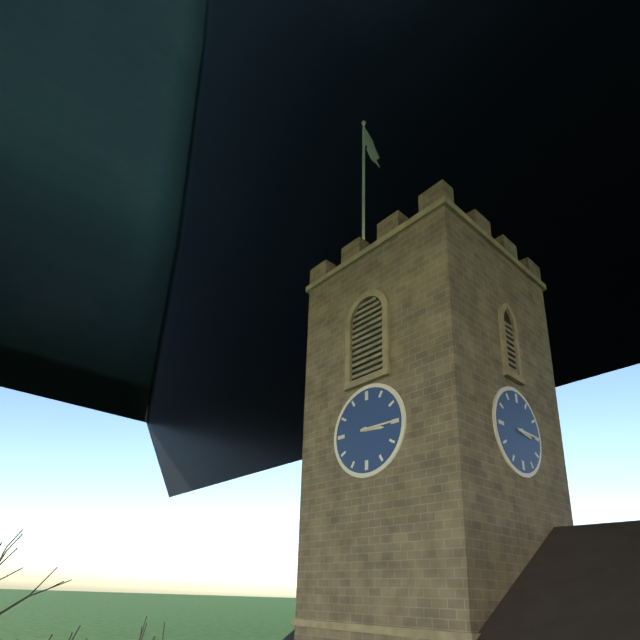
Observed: **3:15**
